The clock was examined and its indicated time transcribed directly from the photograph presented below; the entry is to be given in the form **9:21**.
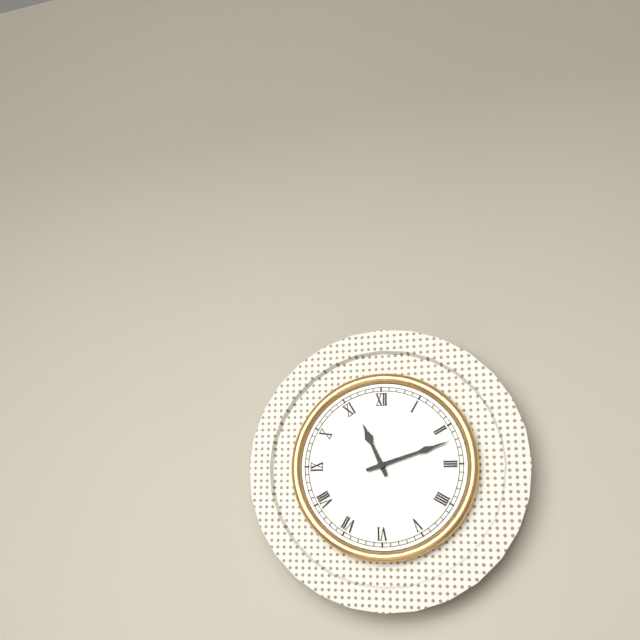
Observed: **11:12**
